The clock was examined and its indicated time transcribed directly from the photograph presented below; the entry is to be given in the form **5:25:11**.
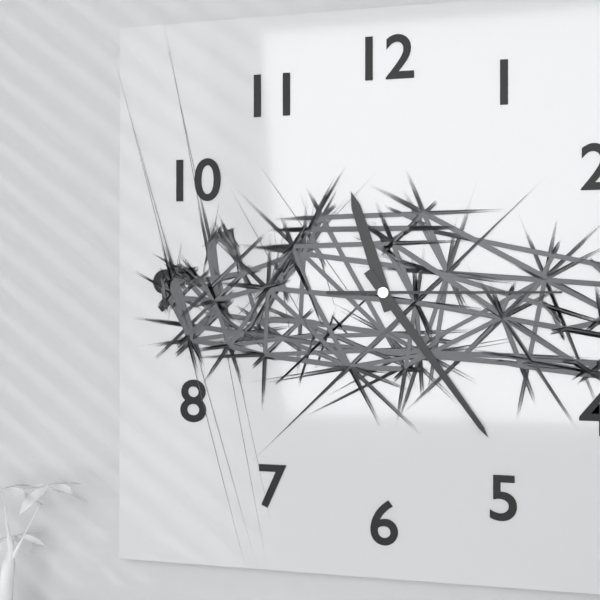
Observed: **11:24:15**
